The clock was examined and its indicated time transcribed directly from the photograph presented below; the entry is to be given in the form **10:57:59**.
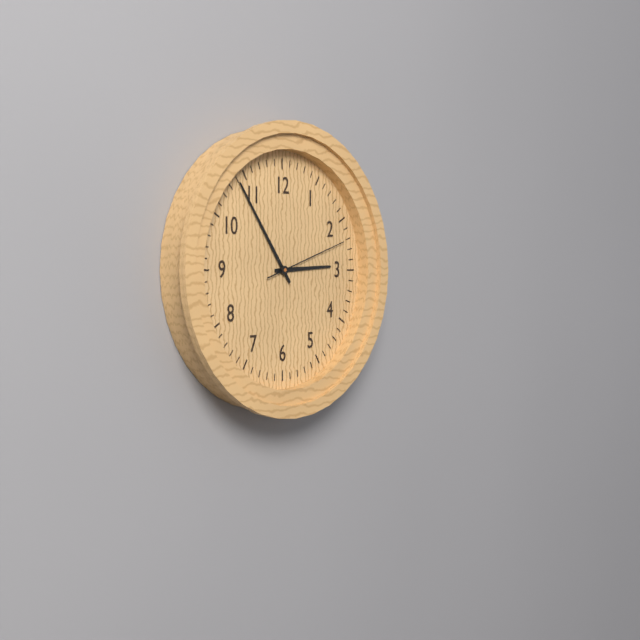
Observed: **2:54:12**
